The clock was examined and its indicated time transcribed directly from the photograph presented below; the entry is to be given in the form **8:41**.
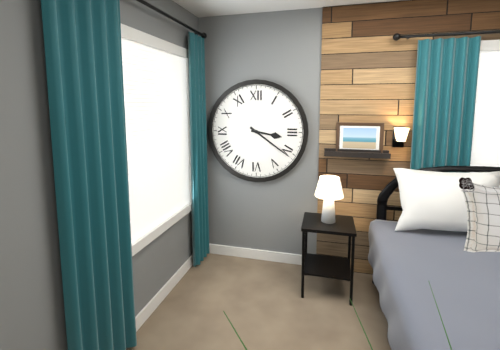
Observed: **3:21**
